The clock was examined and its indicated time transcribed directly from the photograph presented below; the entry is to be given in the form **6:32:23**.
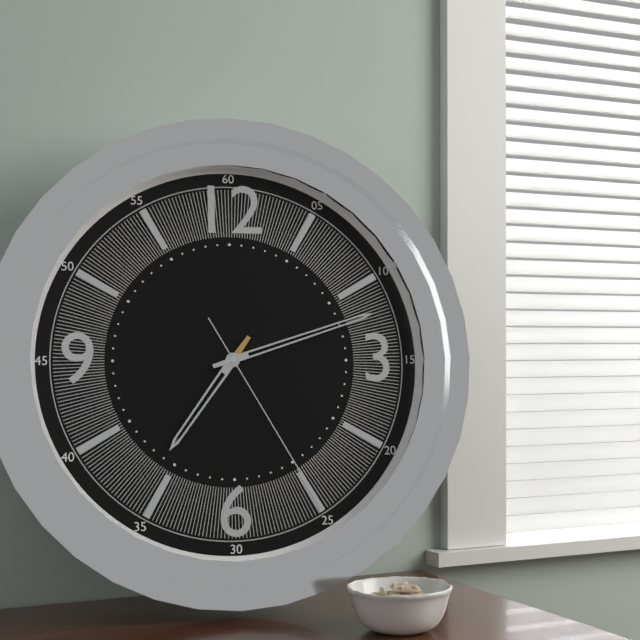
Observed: **7:12:25**
